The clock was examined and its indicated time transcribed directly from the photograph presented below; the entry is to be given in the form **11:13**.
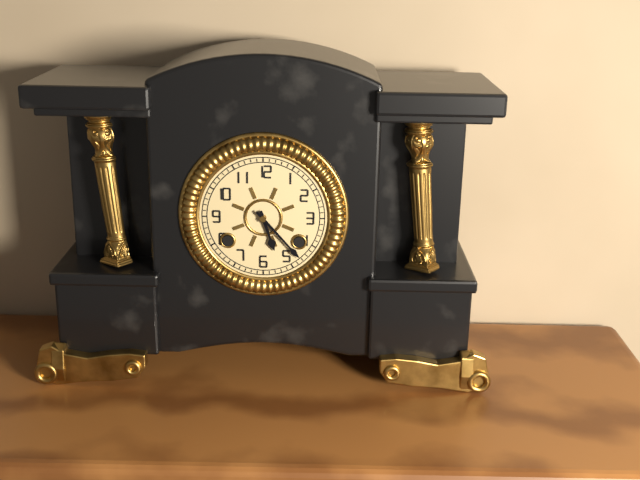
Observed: **5:23**
